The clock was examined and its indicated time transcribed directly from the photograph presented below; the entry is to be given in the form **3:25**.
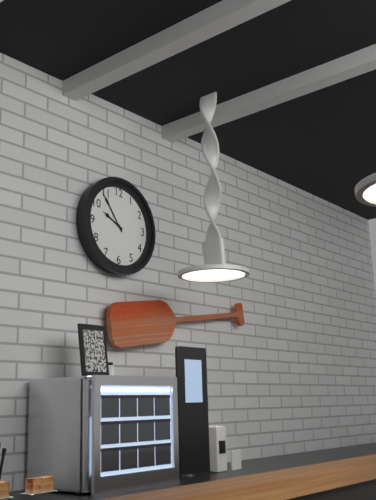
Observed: **9:54**
